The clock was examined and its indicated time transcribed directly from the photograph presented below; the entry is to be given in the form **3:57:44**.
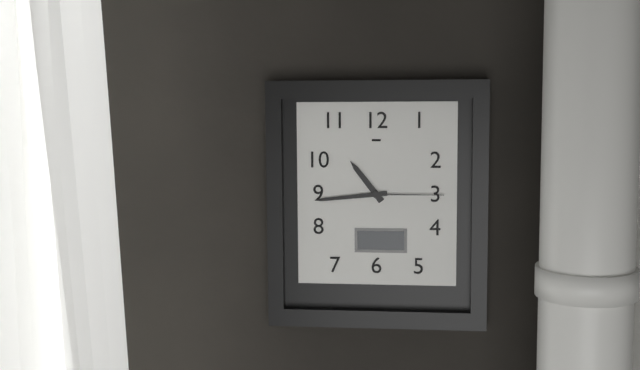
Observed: **10:44:15**
